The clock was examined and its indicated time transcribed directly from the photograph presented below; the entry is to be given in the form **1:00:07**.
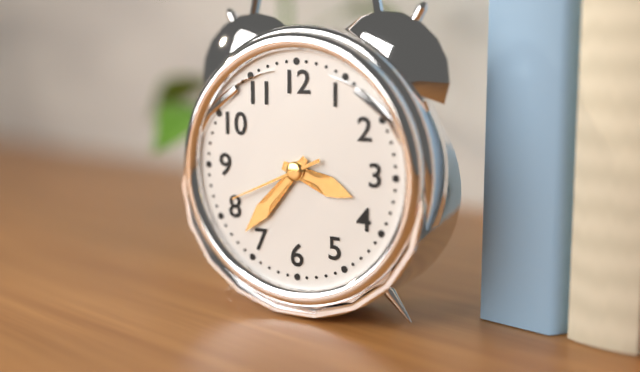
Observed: **3:37:41**
